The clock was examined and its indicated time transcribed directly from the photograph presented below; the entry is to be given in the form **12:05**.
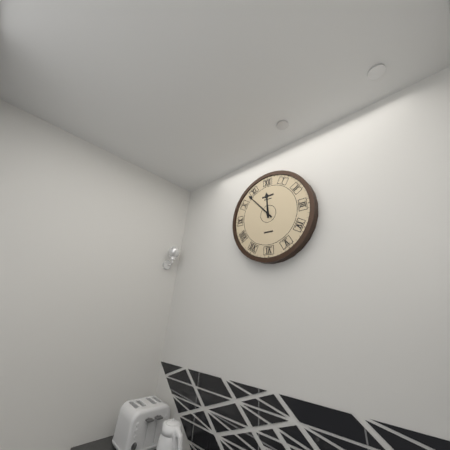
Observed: **11:53**
